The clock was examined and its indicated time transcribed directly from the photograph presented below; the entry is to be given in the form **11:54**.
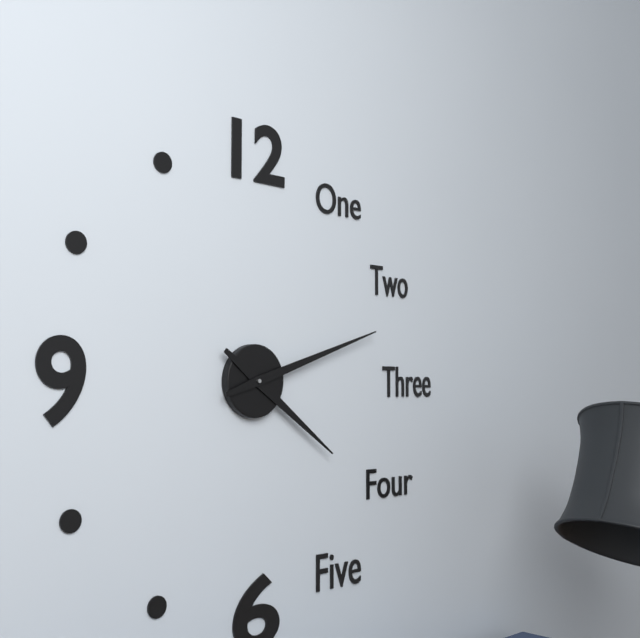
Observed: **4:12**
